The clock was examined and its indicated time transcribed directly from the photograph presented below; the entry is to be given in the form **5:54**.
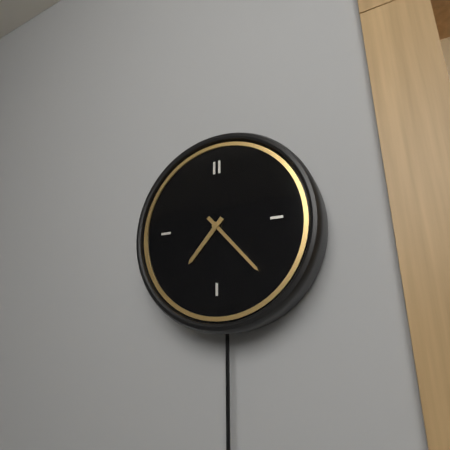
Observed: **7:23**
